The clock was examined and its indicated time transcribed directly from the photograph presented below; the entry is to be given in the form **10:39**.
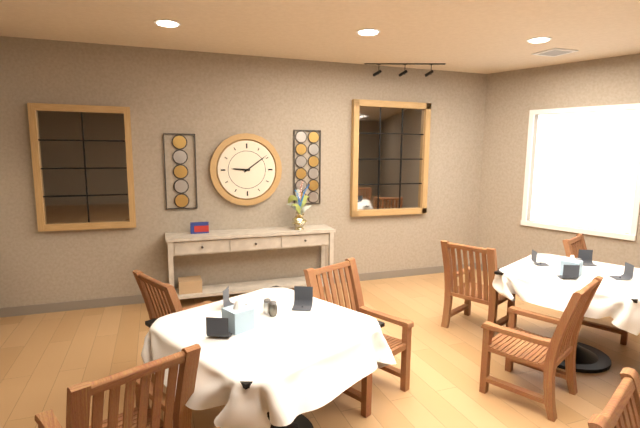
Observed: **9:09**
